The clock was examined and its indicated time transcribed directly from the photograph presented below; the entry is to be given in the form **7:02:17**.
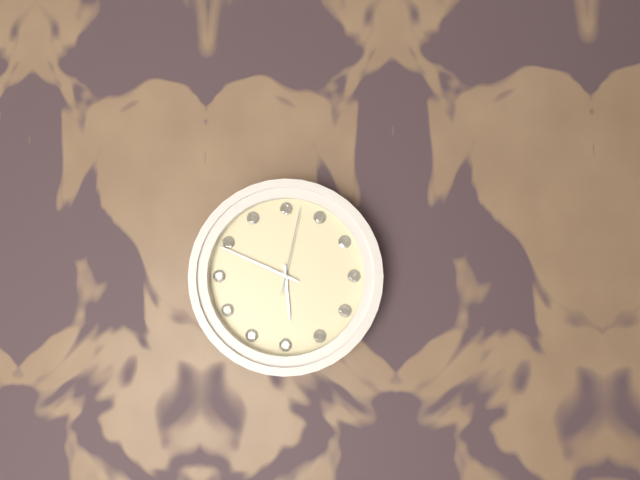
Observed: **5:49:02**
